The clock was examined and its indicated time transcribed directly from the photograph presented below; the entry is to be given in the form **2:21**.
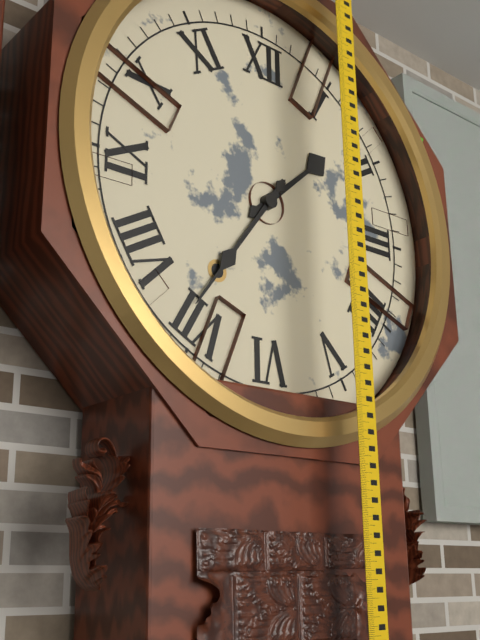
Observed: **1:36**
